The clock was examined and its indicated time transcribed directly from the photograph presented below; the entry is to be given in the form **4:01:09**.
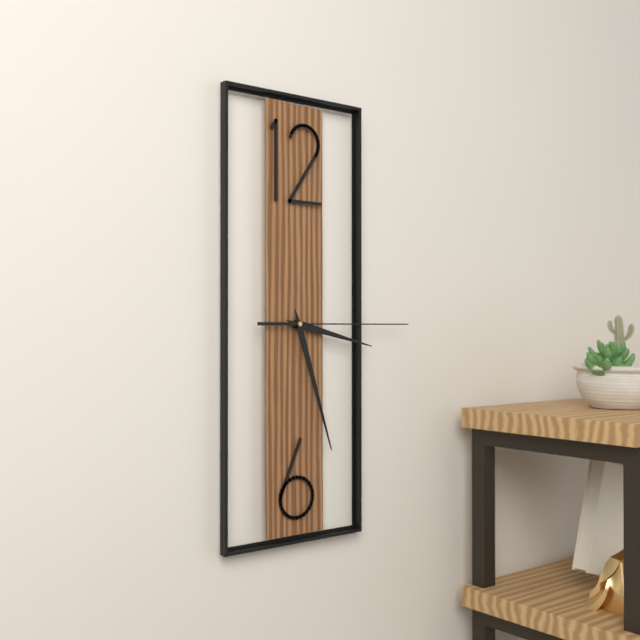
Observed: **3:27:15**
